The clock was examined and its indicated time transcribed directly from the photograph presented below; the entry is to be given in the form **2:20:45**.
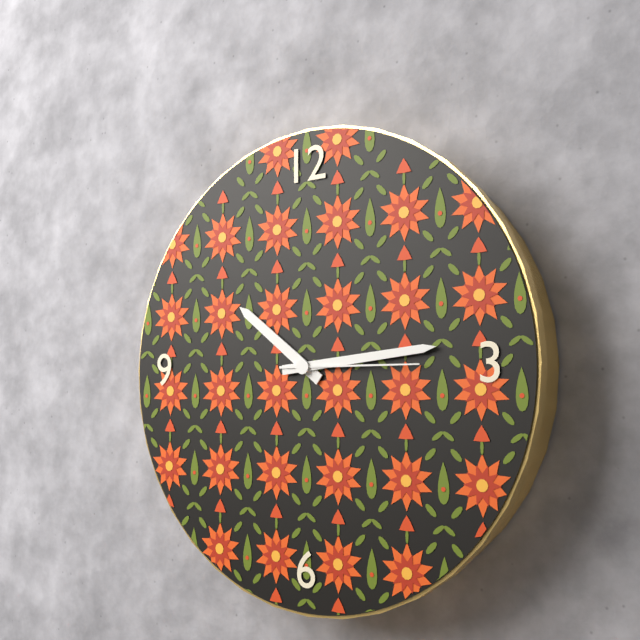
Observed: **10:14:15**
